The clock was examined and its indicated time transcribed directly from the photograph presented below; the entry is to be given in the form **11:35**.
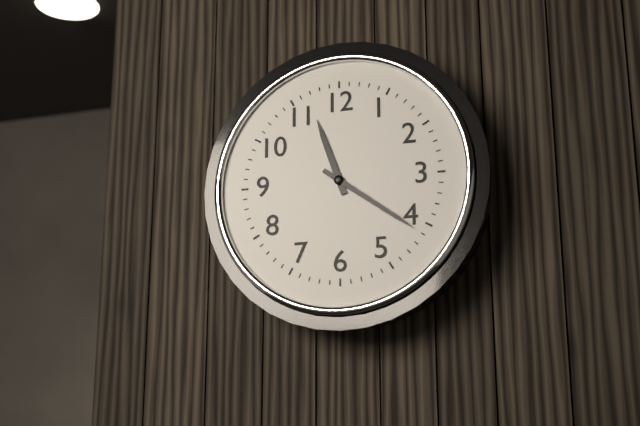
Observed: **11:21**
